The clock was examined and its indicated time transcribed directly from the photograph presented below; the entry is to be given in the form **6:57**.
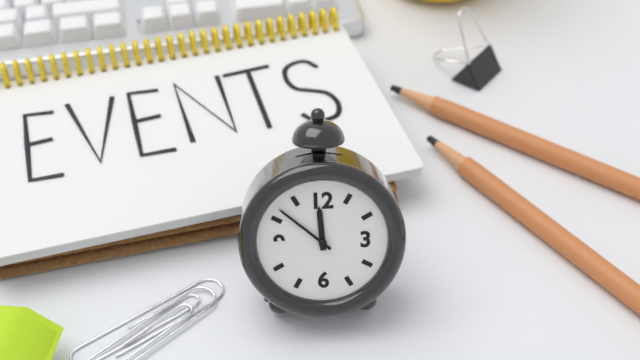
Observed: **11:52**
